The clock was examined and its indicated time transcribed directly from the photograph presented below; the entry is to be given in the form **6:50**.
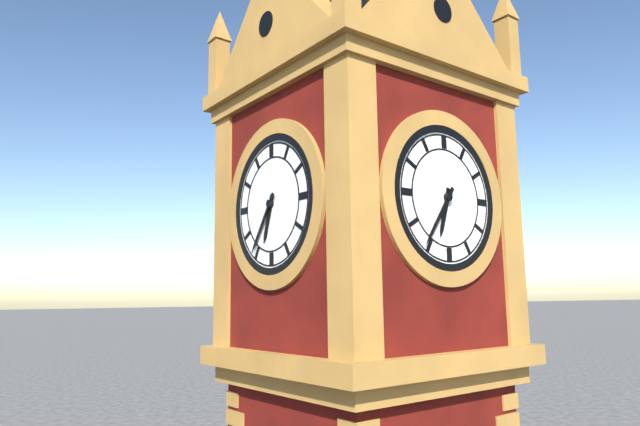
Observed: **6:36**
